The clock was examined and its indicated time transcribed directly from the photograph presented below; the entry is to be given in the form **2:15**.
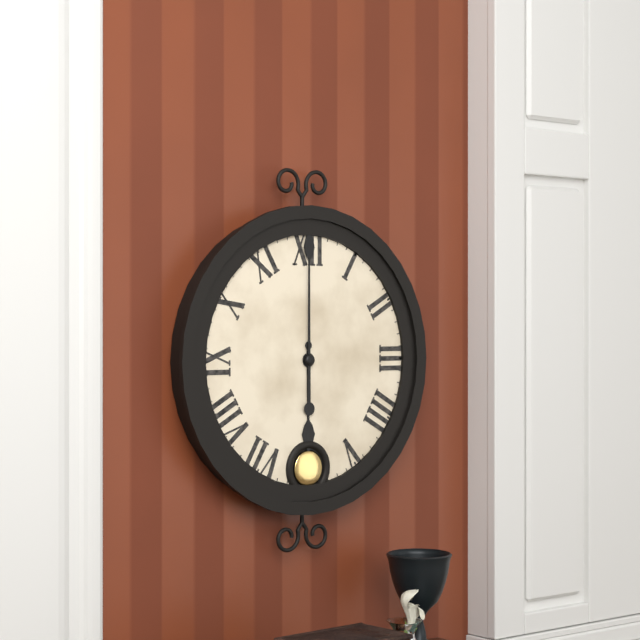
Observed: **6:00**
